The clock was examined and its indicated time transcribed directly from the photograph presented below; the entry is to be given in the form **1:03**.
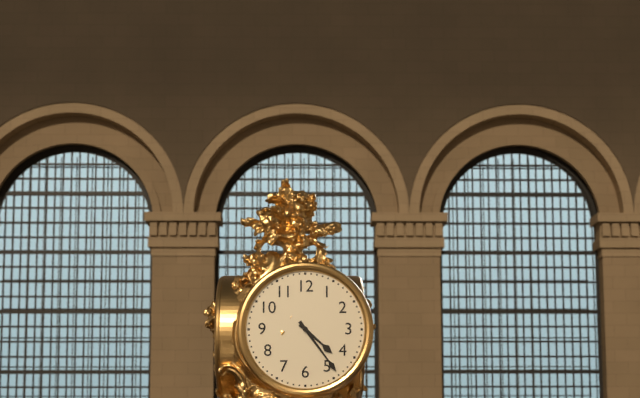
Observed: **4:24**
